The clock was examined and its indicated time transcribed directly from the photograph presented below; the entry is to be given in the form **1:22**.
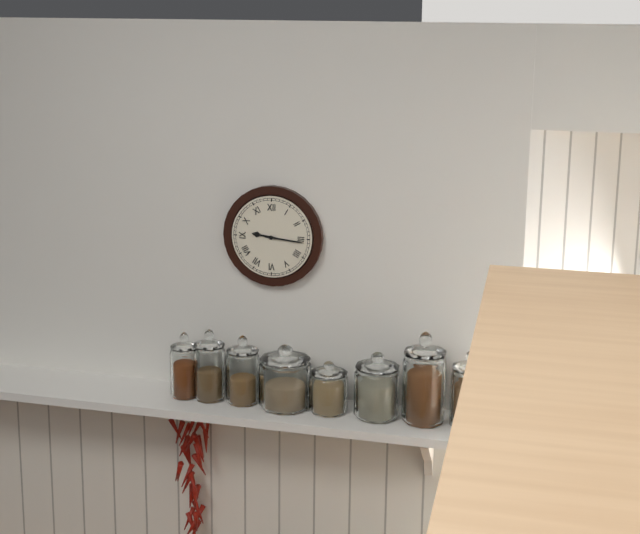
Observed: **9:16**
